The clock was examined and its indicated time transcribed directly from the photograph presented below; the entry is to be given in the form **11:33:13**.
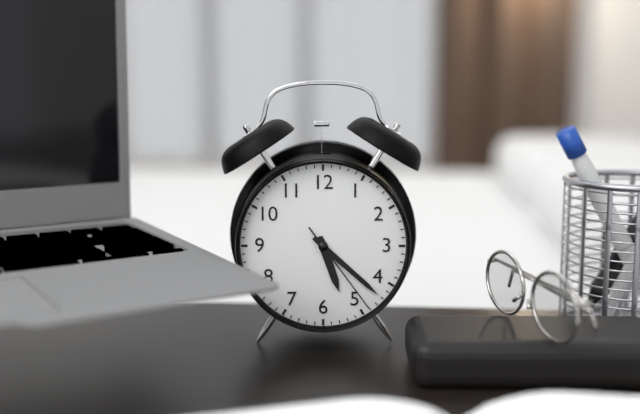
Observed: **5:22:24**
